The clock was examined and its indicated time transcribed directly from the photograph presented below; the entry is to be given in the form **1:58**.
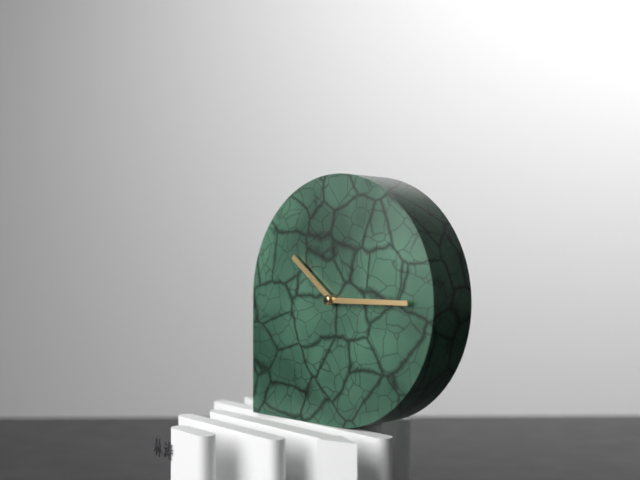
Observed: **10:15**
